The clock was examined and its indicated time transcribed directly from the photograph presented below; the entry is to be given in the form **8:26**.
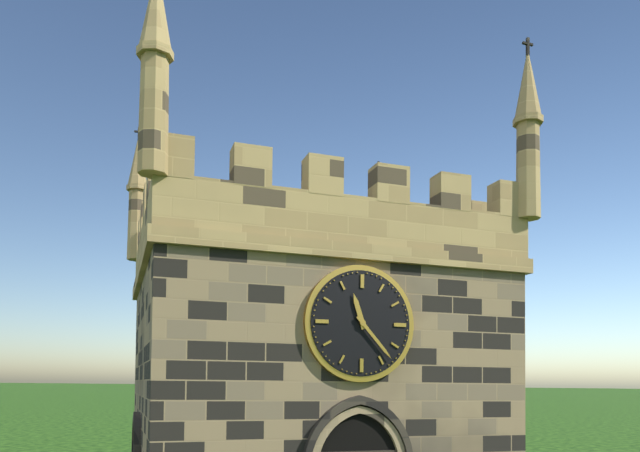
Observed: **11:23**
